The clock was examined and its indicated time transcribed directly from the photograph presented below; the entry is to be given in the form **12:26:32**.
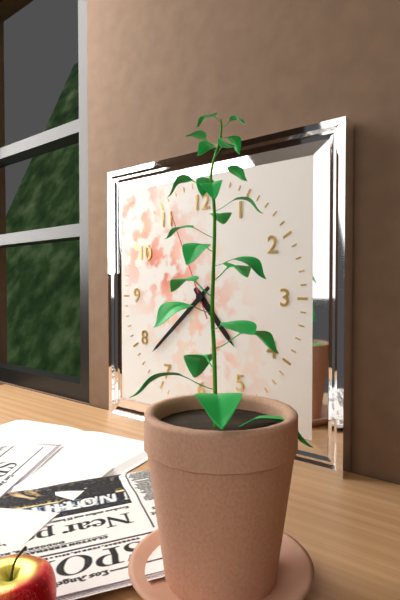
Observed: **4:38:56**
